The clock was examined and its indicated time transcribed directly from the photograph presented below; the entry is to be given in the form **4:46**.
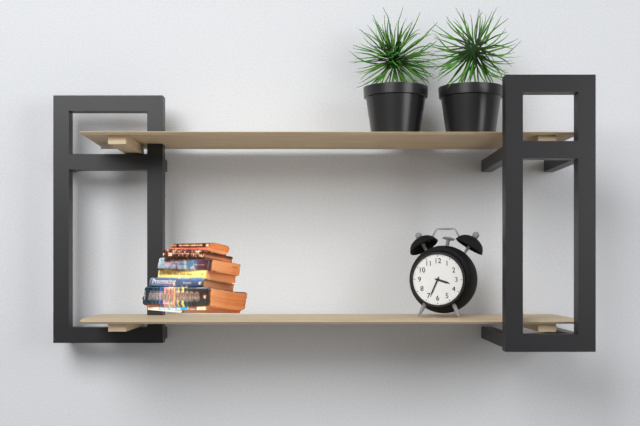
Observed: **3:34**
